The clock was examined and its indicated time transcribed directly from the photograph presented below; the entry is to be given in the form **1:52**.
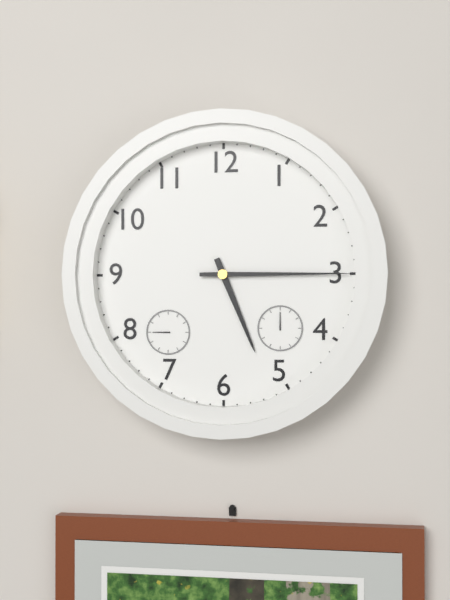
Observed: **5:15**
